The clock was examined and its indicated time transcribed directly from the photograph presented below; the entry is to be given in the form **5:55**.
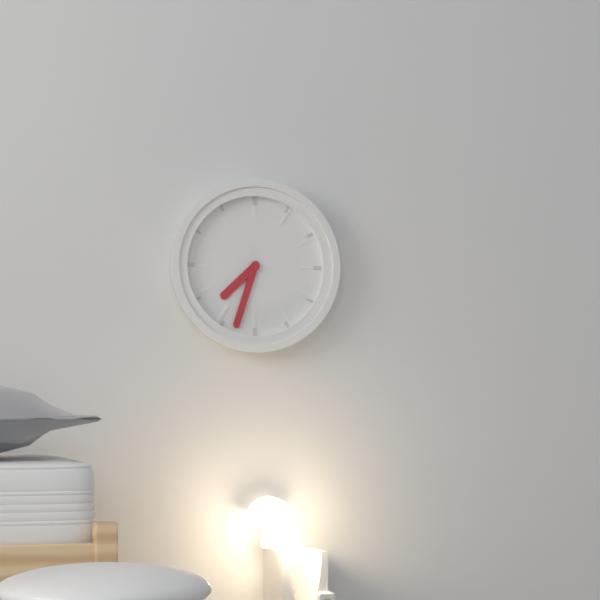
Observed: **7:33**
